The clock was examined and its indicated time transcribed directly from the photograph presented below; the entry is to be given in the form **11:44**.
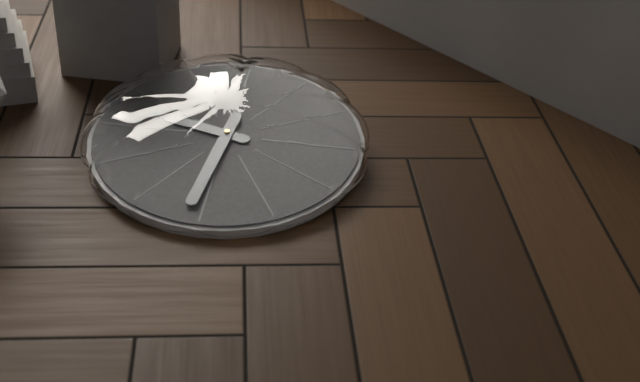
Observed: **9:31**
